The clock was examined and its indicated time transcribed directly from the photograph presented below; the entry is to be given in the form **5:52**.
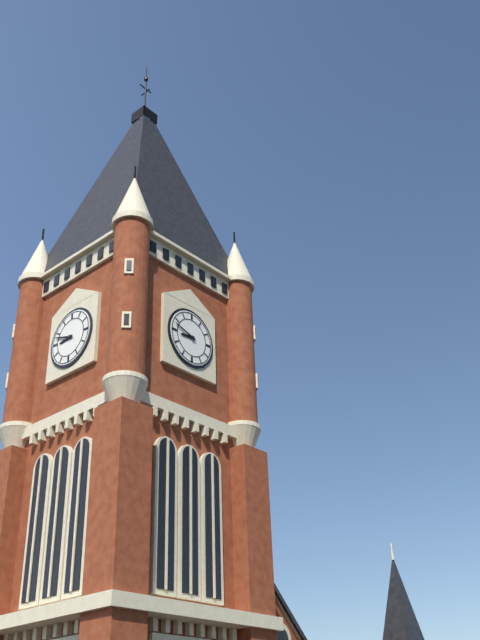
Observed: **8:48**
